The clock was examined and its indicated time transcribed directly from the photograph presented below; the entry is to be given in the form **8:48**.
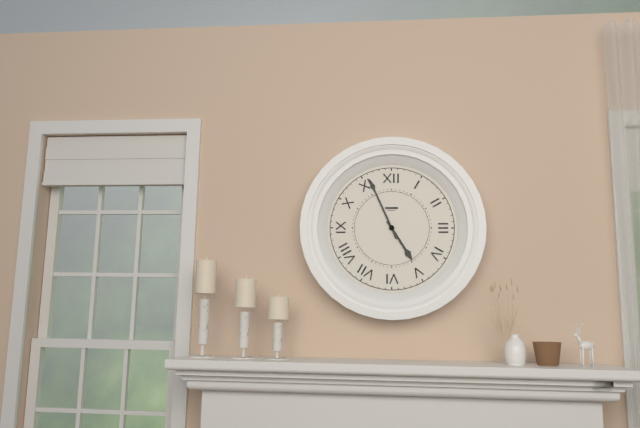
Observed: **4:56**
